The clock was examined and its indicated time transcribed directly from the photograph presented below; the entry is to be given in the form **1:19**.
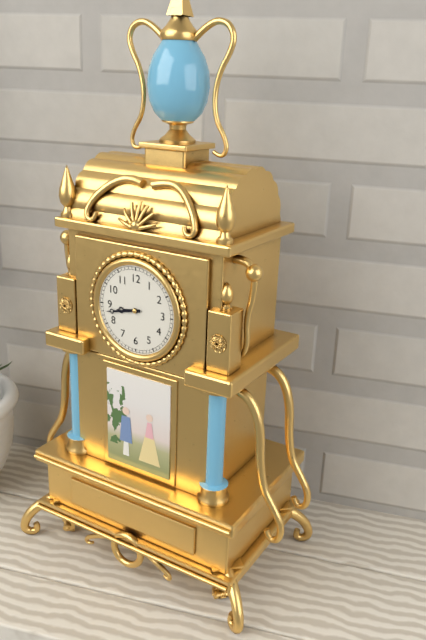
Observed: **8:43**
